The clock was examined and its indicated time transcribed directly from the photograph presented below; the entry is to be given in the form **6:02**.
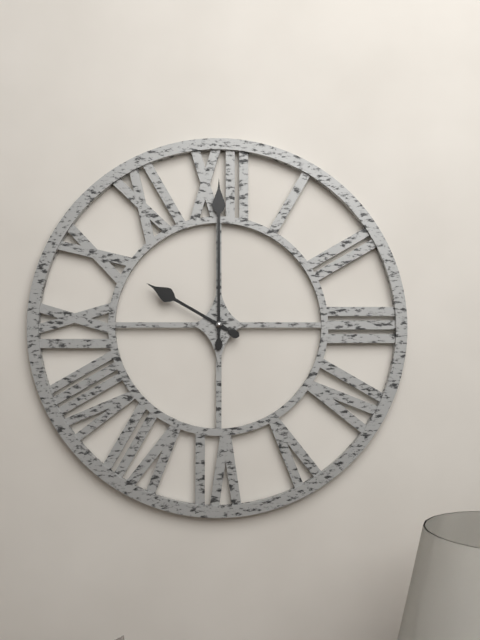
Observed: **10:00**
